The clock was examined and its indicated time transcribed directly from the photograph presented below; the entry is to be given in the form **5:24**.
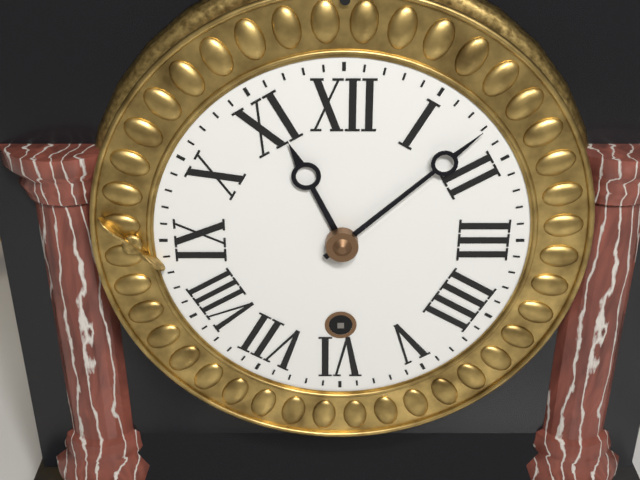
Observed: **11:08**
